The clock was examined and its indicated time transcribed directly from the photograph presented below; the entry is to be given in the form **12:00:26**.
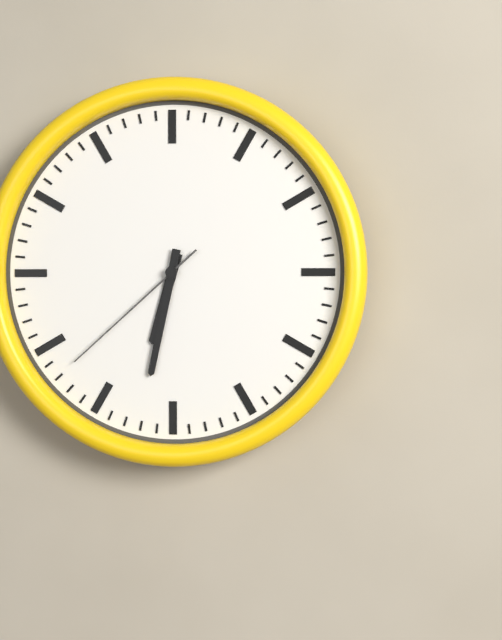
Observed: **6:32:38**
